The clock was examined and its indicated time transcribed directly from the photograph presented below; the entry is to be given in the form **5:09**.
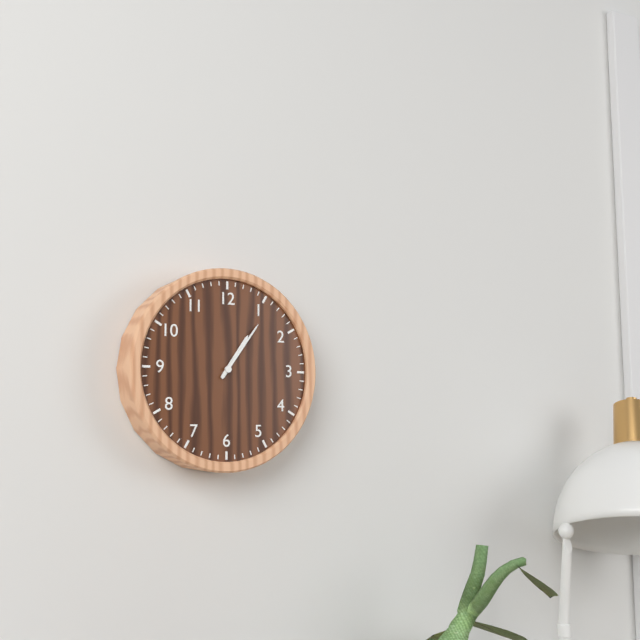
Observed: **1:06**
